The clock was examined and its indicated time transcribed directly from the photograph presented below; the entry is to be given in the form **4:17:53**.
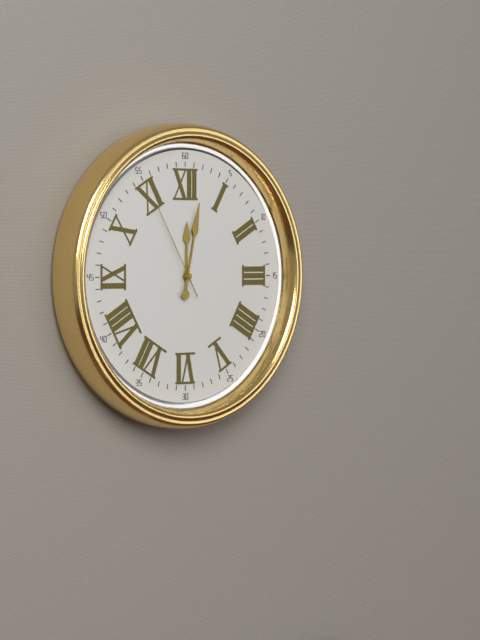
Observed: **12:02:55**
